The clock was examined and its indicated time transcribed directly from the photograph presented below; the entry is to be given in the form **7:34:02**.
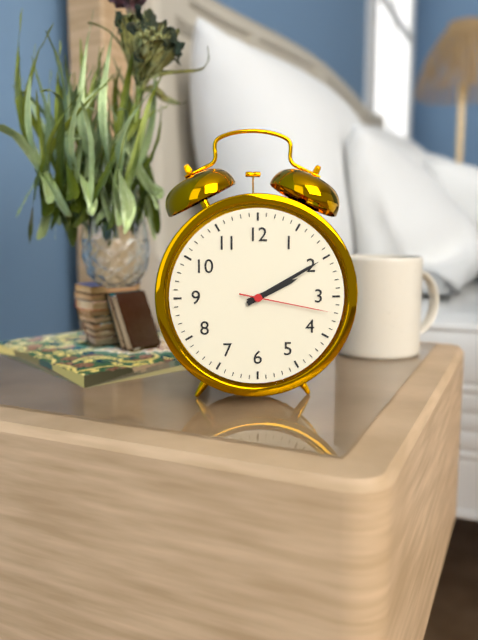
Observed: **2:10:17**
